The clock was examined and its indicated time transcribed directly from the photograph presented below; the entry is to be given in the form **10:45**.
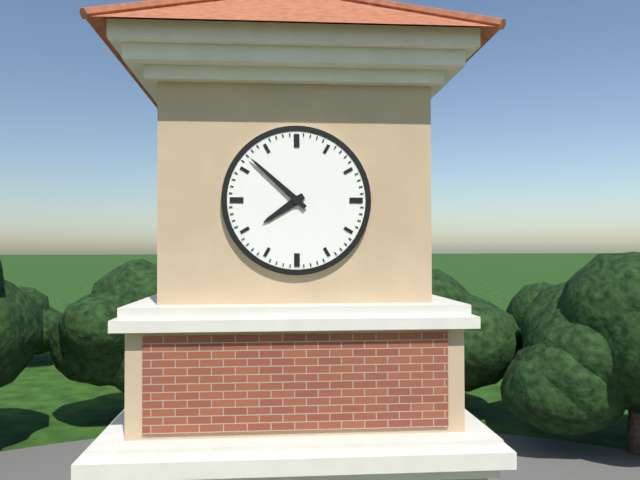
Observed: **7:52**
